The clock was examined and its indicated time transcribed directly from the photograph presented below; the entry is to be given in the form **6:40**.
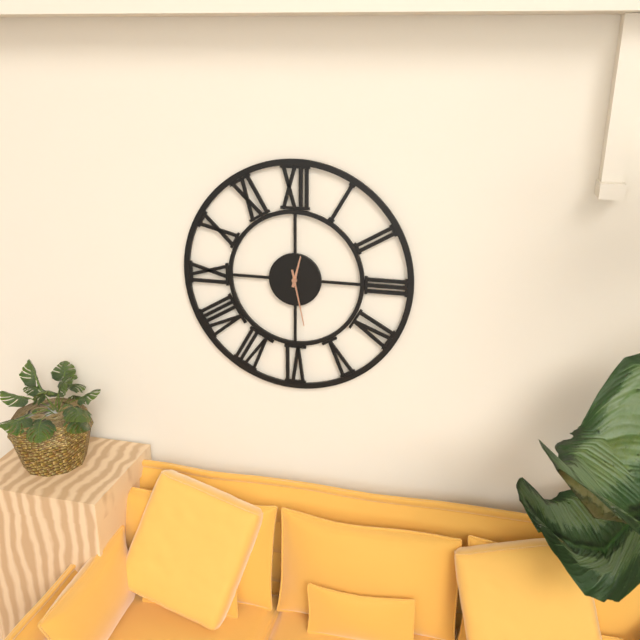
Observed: **12:28**
